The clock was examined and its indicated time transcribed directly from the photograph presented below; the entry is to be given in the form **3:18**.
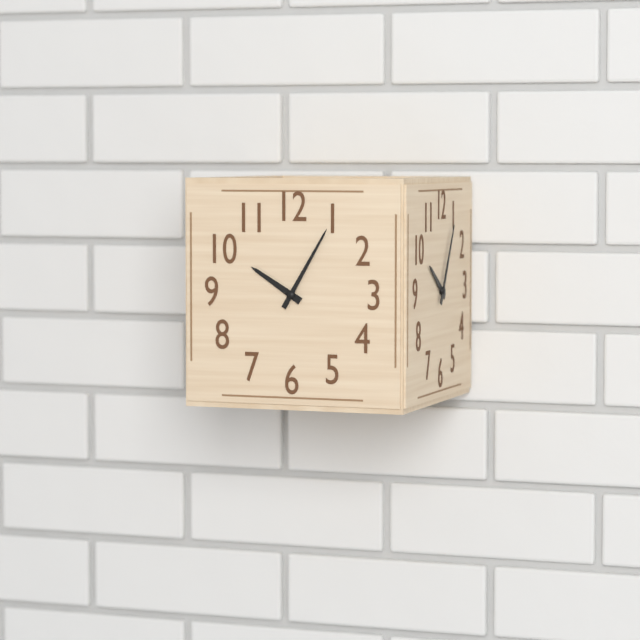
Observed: **10:05**
